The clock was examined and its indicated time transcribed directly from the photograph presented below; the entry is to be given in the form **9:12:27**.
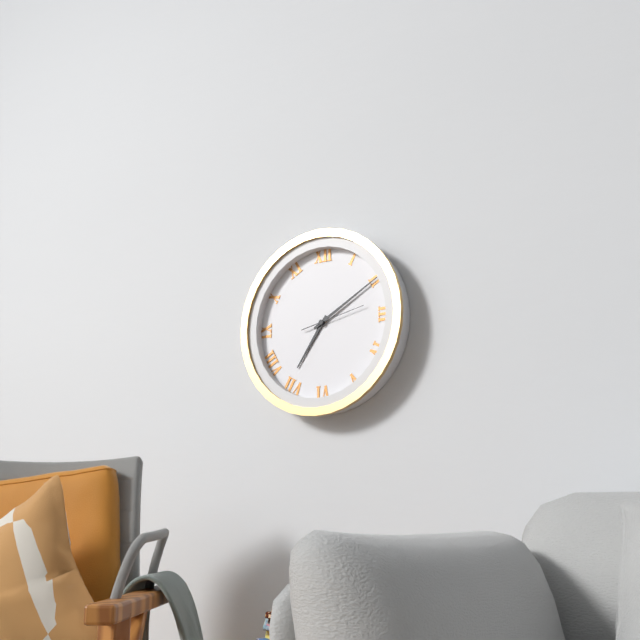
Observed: **7:10:13**
